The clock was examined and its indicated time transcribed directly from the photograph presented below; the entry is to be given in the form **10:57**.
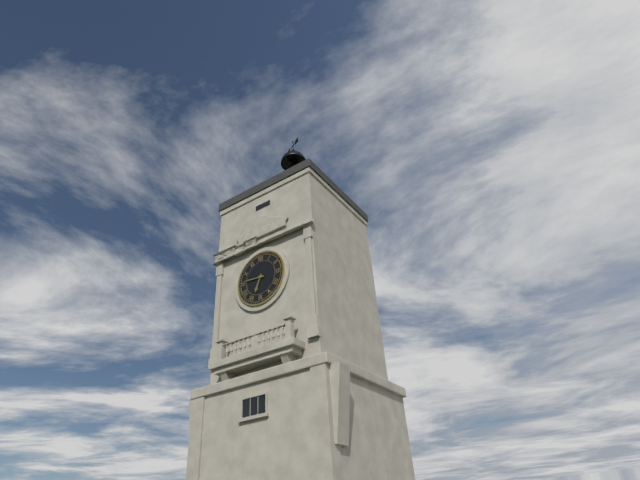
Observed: **6:46**
